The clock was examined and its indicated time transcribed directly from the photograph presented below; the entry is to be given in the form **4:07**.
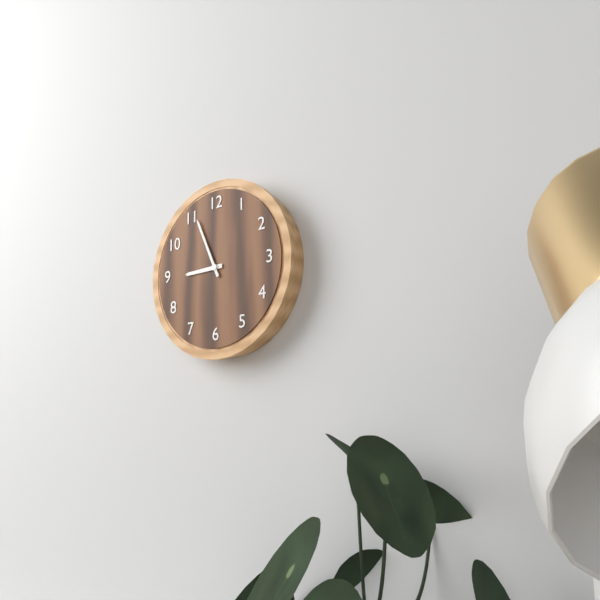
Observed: **8:56**
